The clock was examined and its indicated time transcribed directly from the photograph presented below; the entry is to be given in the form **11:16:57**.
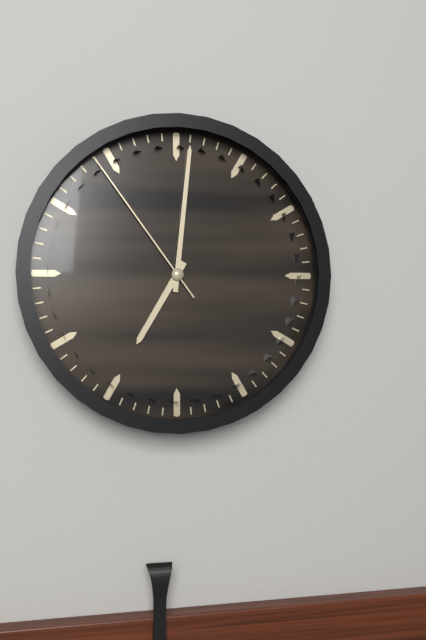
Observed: **7:01:54**
